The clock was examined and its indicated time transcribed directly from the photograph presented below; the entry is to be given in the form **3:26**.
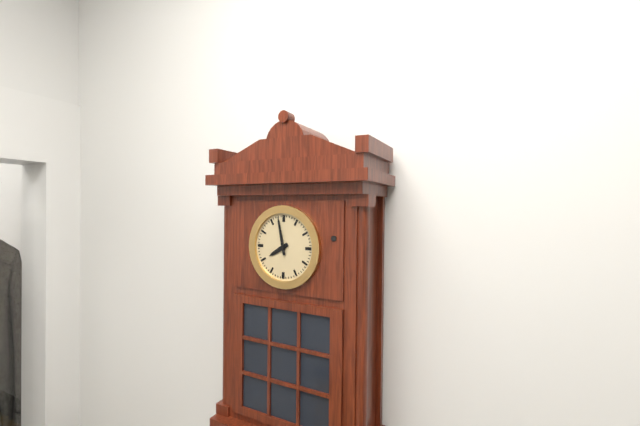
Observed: **7:58**
